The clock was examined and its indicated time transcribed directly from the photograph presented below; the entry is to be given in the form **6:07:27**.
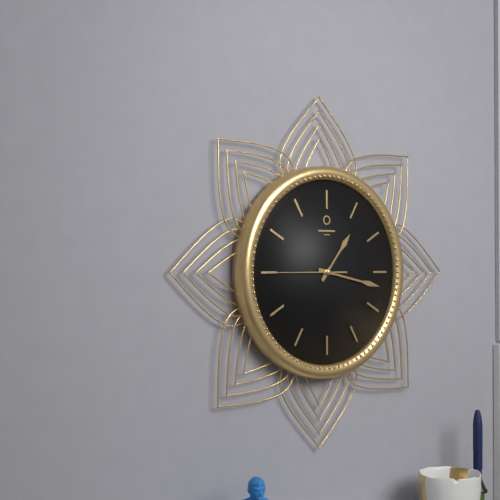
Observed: **1:17:45**
